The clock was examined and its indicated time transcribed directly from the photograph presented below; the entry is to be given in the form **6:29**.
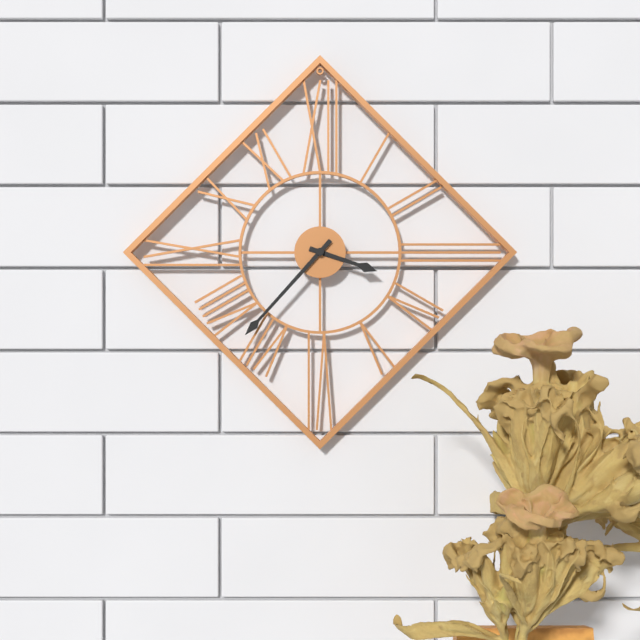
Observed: **3:37**
